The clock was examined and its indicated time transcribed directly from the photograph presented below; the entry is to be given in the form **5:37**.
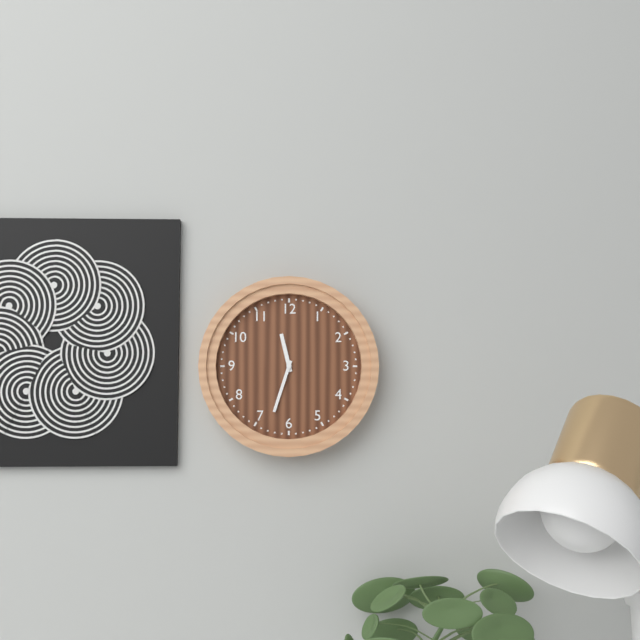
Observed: **11:33**
